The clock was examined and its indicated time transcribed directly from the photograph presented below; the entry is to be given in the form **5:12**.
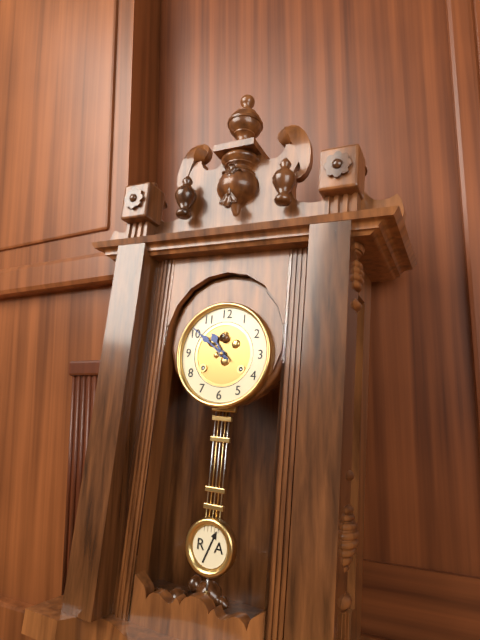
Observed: **10:51**
